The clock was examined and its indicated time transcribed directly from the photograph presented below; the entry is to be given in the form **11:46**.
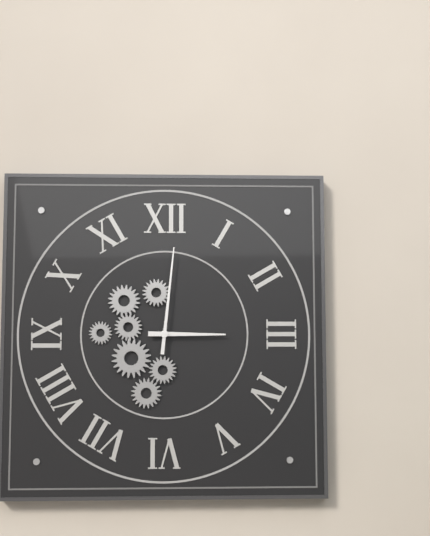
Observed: **3:01**
